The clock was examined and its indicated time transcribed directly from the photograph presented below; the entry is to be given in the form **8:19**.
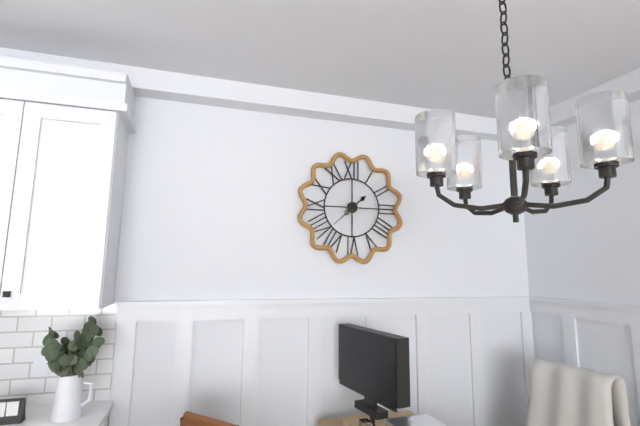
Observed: **1:38**
